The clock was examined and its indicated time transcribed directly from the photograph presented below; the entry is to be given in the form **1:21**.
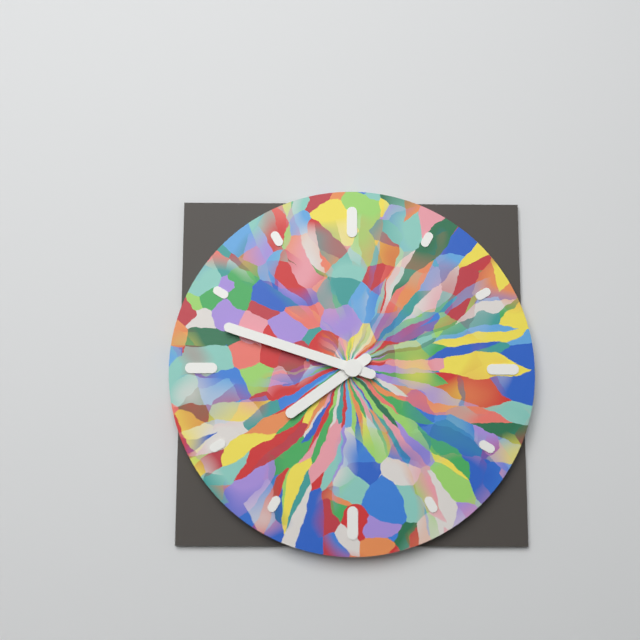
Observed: **7:48**
